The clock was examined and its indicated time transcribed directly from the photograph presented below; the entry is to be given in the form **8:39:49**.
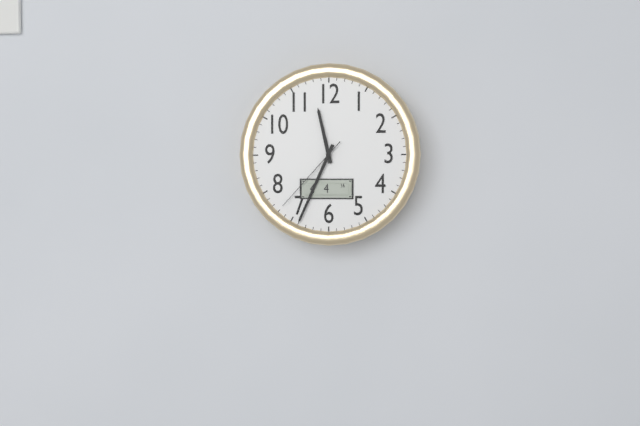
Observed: **11:34:37**
